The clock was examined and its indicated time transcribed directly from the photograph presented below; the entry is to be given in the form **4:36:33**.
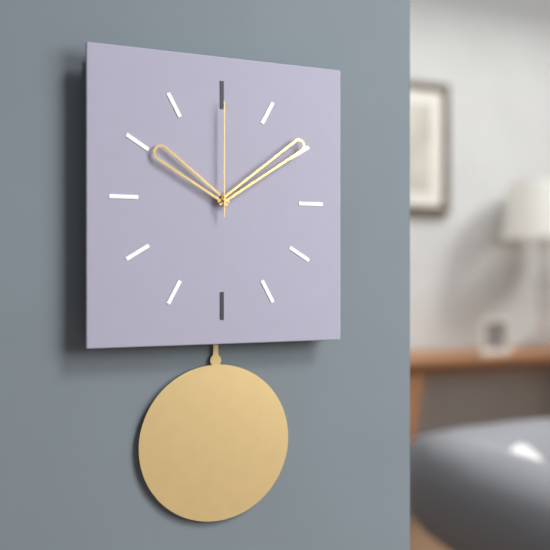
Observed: **10:09:00**
